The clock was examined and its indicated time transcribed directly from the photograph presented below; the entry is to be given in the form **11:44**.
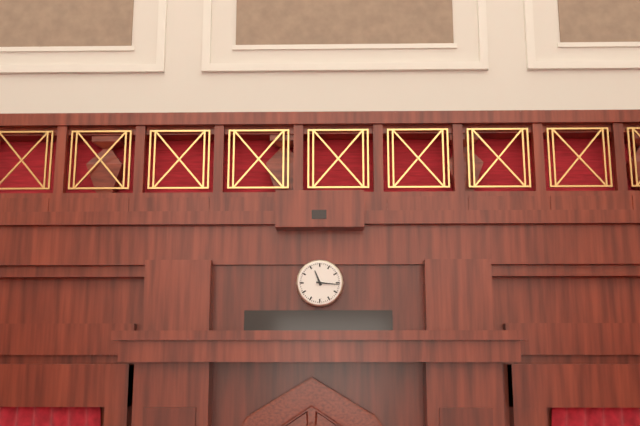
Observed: **11:16**
